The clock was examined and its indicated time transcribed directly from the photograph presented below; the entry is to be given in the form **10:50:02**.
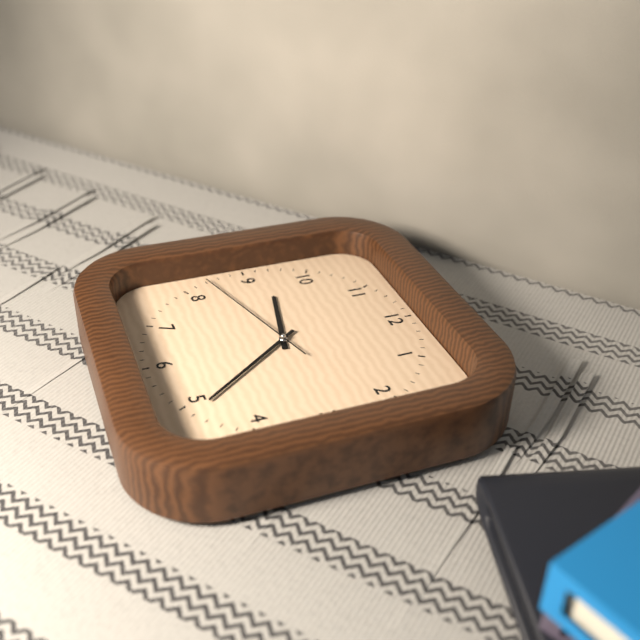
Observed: **9:24:42**
